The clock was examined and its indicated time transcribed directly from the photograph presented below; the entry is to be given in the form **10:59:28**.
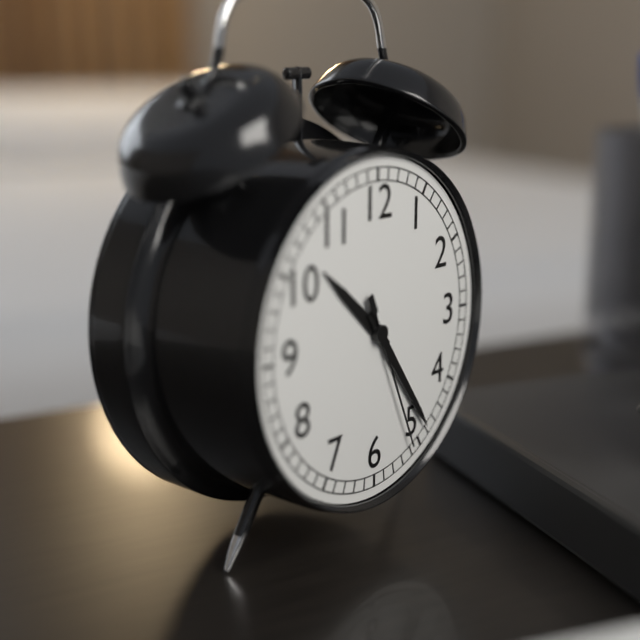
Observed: **10:24:26**
